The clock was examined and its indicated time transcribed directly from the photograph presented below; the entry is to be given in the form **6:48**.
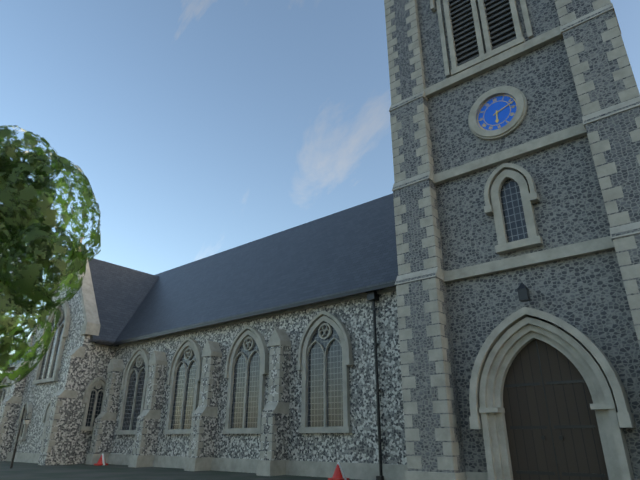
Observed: **6:12**
